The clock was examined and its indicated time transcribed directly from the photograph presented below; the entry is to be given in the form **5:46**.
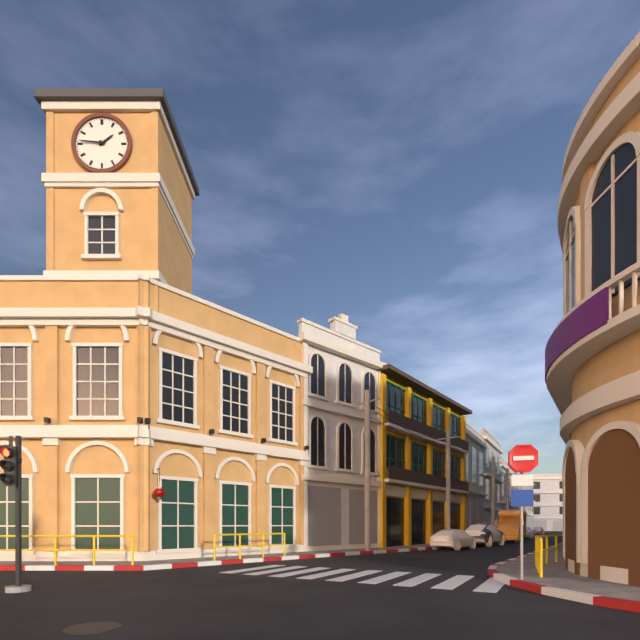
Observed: **1:46**
